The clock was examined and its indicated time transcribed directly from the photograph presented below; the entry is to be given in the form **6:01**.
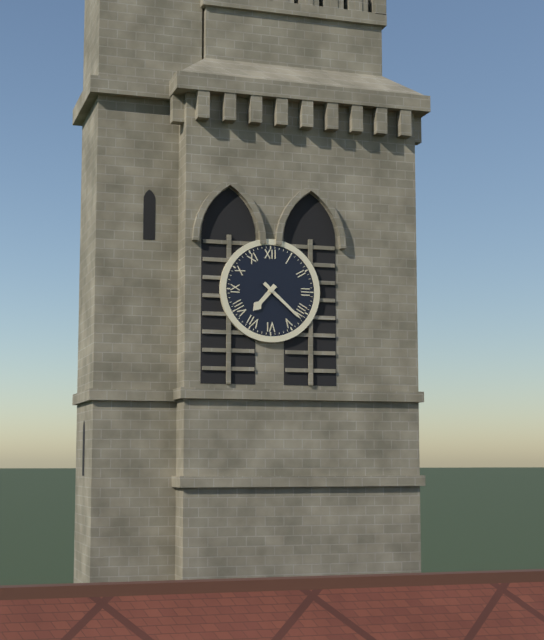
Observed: **7:22**
